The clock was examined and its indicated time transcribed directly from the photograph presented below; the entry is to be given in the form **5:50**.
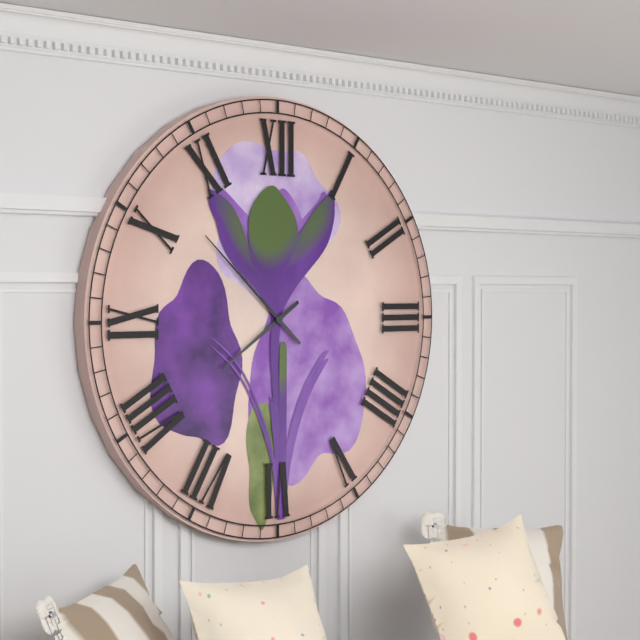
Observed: **7:52**
